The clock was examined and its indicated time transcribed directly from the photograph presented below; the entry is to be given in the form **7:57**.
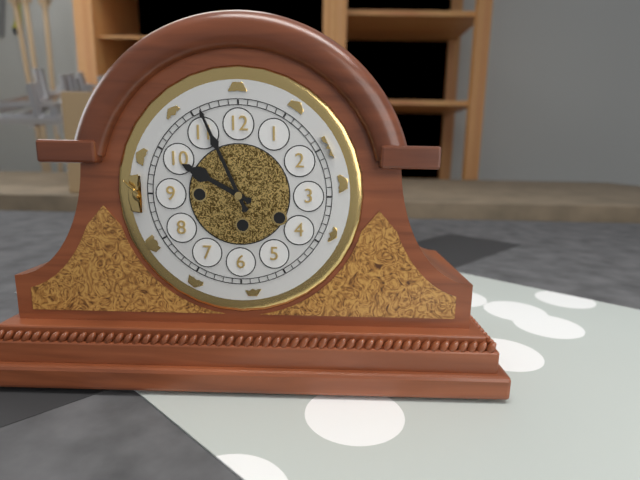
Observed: **9:56**
